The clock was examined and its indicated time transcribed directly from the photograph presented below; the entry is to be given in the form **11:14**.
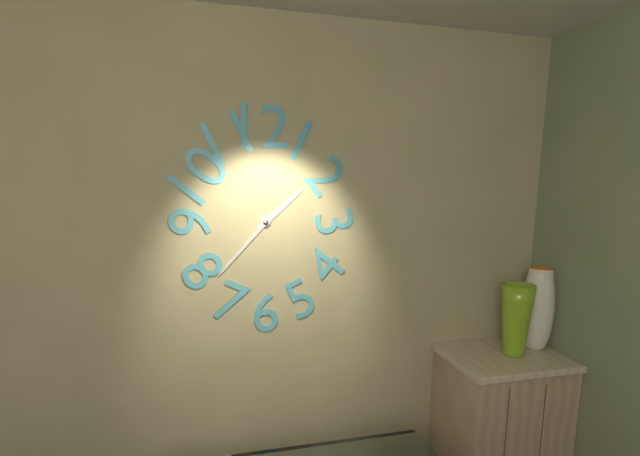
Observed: **1:37**
